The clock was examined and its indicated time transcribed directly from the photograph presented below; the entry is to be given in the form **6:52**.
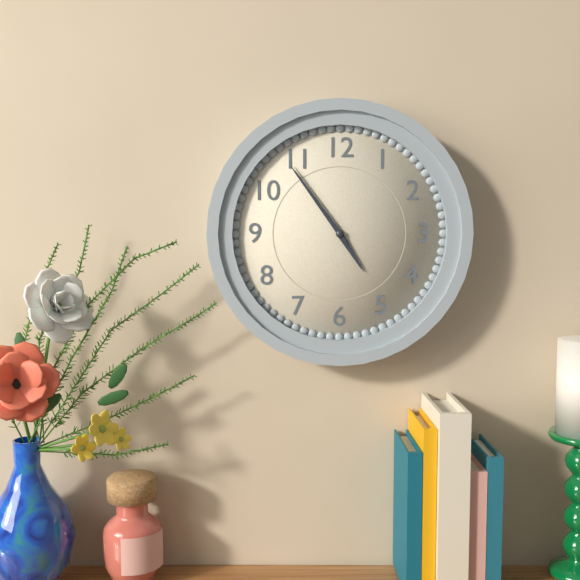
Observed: **4:54**
